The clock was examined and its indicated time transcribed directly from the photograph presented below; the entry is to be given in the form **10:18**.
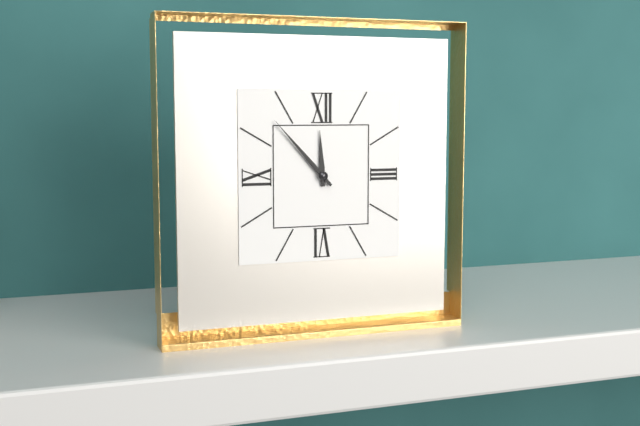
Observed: **11:53**
